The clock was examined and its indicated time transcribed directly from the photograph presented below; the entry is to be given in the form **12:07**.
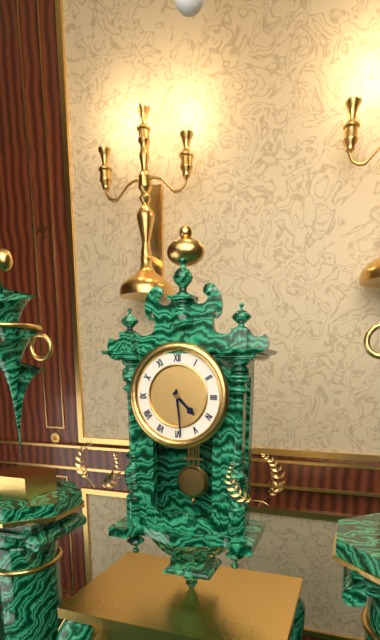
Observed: **4:29**
